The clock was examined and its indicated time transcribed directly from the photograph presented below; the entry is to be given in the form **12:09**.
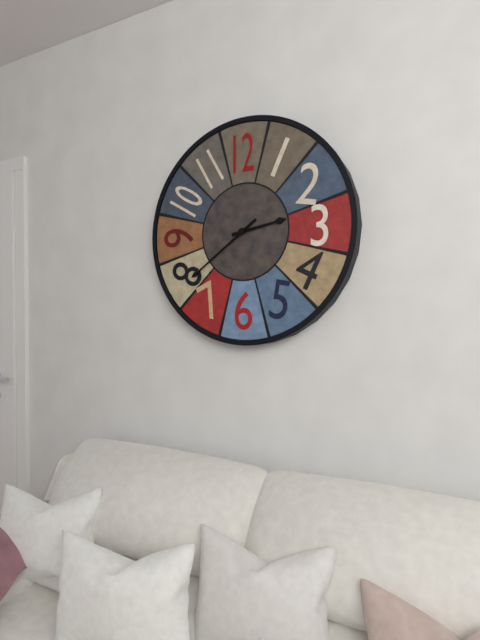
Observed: **2:39**
